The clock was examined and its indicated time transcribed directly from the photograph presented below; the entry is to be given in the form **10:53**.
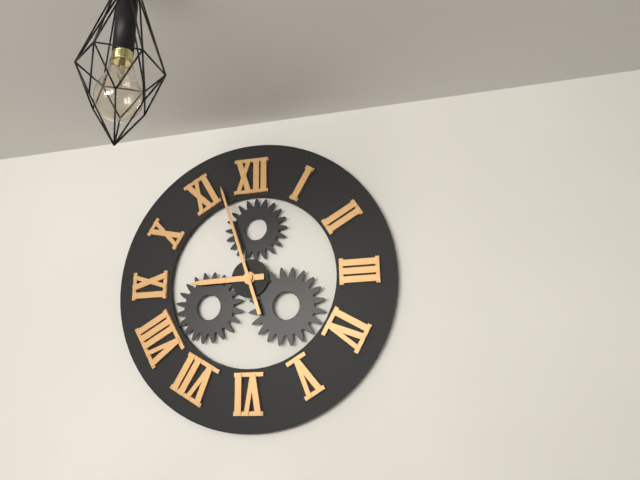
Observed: **8:57**
